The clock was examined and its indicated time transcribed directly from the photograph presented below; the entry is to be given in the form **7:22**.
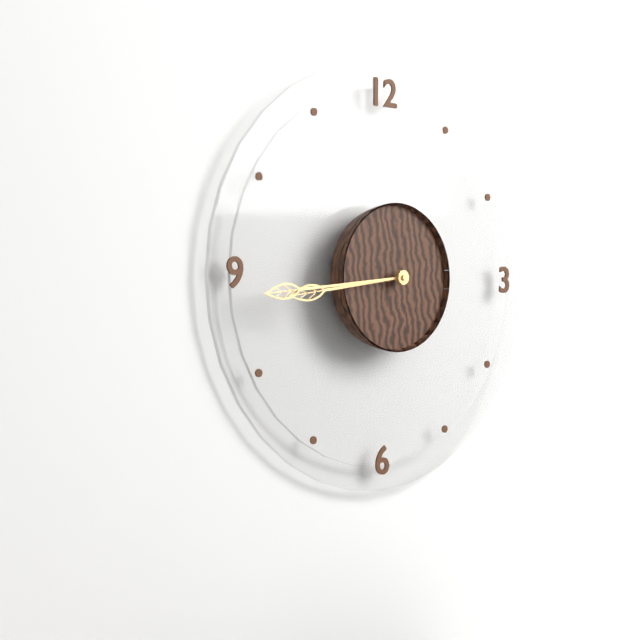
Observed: **8:44**
